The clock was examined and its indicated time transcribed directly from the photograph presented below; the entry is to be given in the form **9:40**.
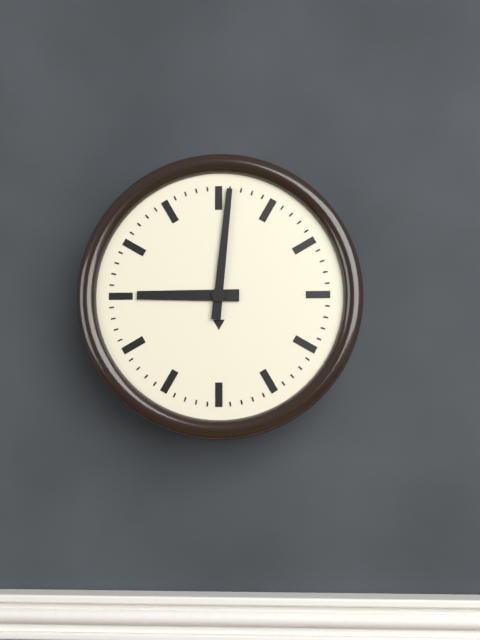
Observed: **9:01**
